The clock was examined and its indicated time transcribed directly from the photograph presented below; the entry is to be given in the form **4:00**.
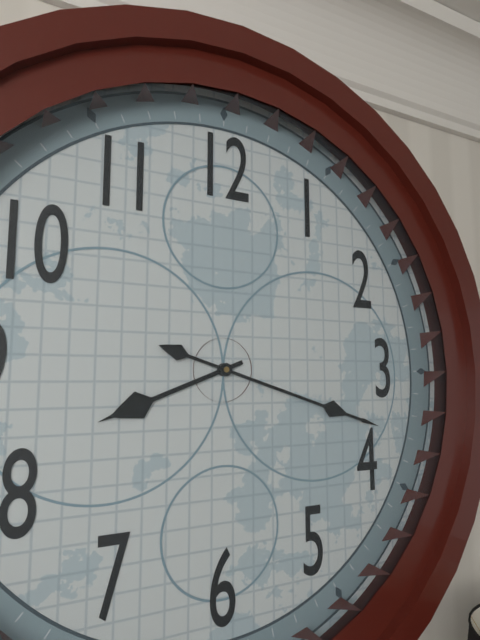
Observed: **8:18**
